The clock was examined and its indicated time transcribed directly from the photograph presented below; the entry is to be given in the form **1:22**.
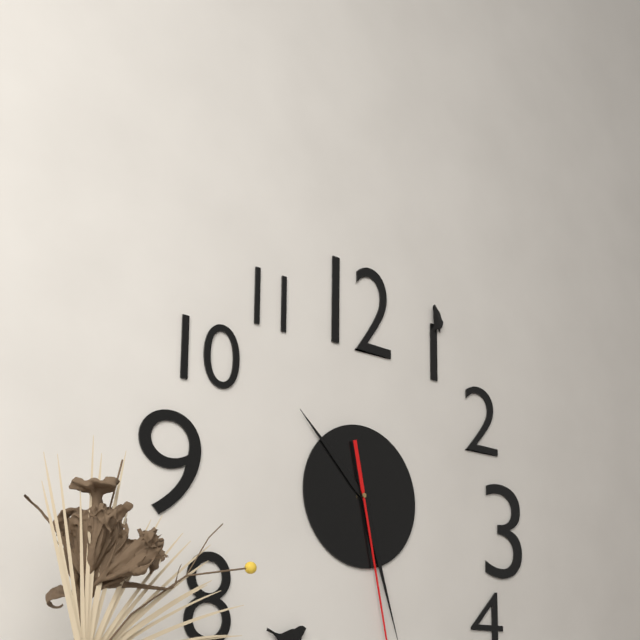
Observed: **10:27**
